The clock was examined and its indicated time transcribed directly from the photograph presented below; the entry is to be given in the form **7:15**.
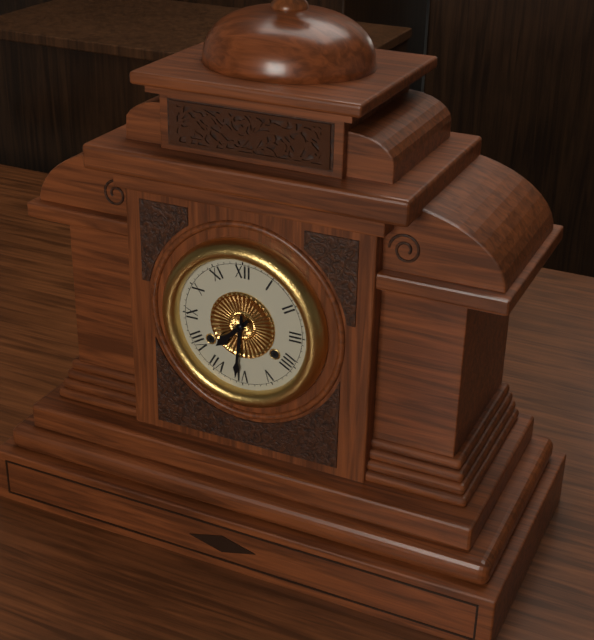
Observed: **7:31**
